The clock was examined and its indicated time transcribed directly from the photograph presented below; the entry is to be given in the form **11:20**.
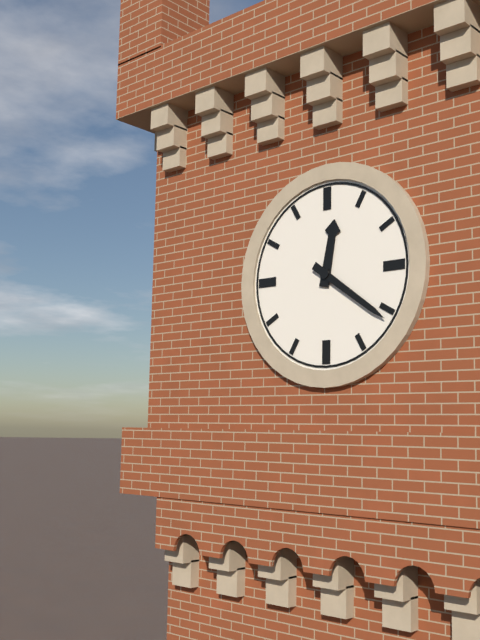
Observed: **12:21**
